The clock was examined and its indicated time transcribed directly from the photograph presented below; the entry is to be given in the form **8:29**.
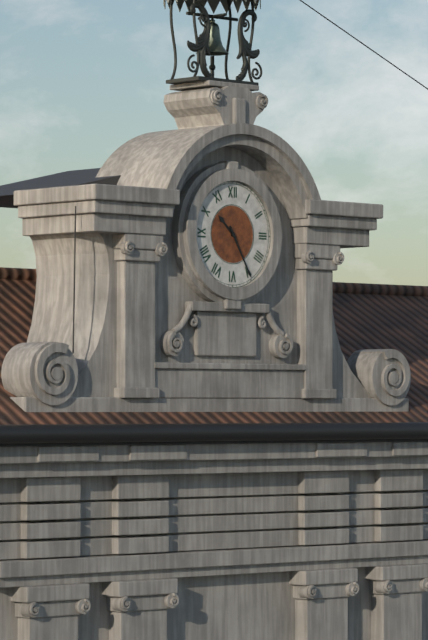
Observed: **10:25**
